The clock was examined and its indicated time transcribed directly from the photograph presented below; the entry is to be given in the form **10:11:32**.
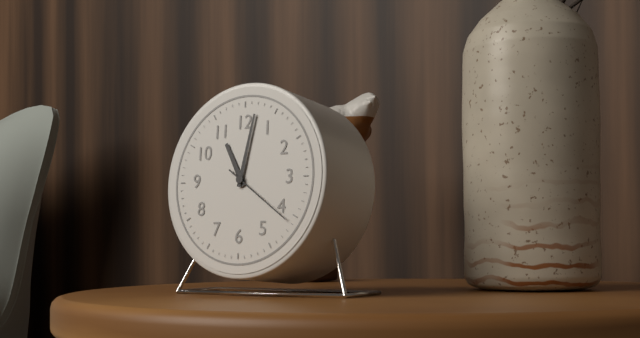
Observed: **11:02:21**
